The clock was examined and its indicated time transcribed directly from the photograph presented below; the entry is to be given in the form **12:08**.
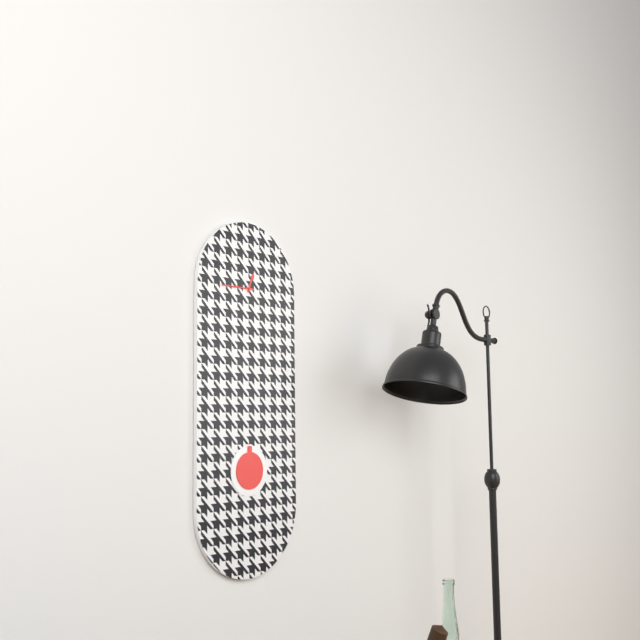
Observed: **12:45**
